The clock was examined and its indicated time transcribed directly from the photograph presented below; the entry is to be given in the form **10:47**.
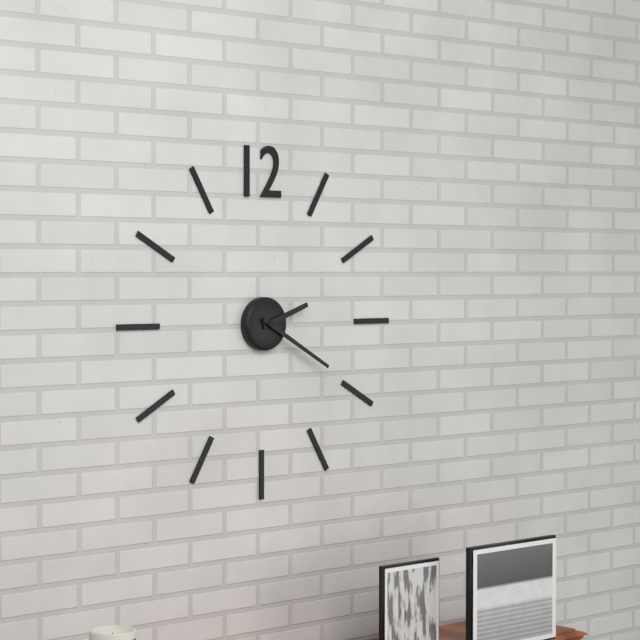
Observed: **2:20**
